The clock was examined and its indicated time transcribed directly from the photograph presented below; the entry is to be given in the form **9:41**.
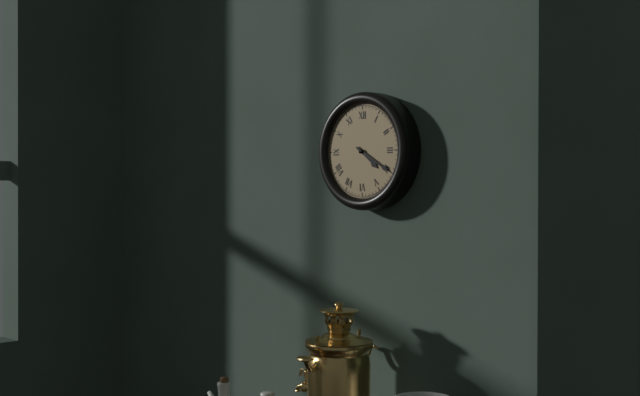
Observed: **4:20**
